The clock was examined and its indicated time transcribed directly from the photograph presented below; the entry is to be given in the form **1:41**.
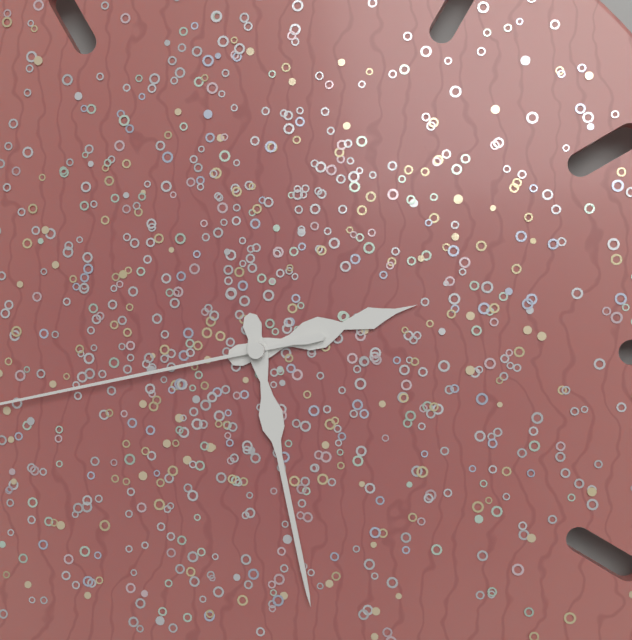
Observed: **2:28**
